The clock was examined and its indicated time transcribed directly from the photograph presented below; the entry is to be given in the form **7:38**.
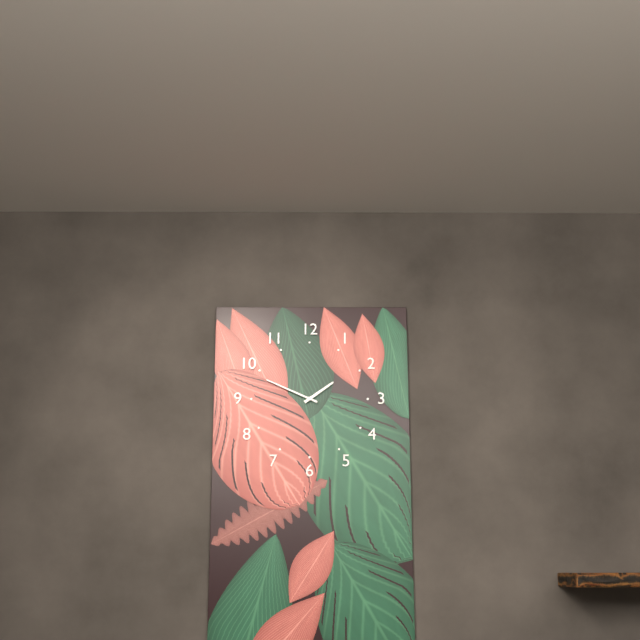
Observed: **1:49**
